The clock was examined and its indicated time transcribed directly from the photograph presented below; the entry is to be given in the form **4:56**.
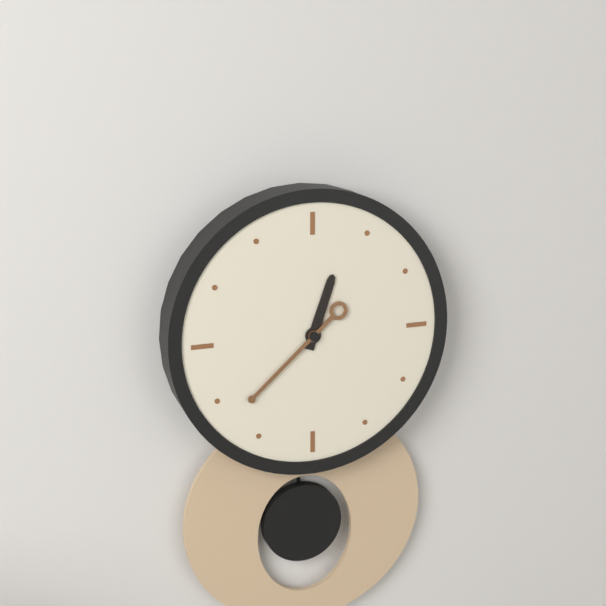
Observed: **12:38**
